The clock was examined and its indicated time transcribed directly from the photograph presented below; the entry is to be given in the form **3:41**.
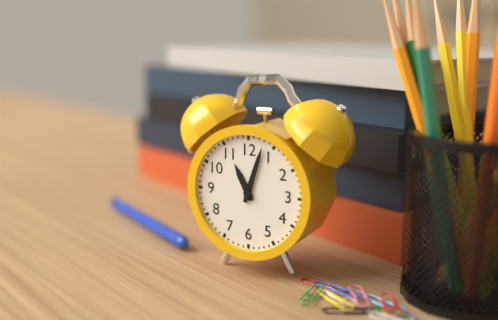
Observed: **11:03**
